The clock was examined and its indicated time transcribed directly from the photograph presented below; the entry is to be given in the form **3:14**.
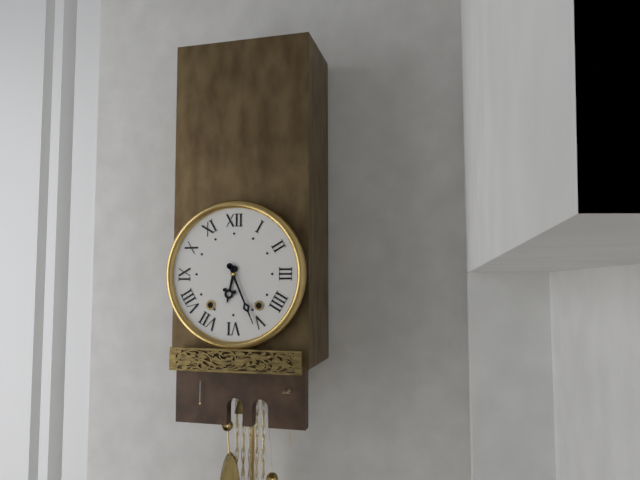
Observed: **6:26**
